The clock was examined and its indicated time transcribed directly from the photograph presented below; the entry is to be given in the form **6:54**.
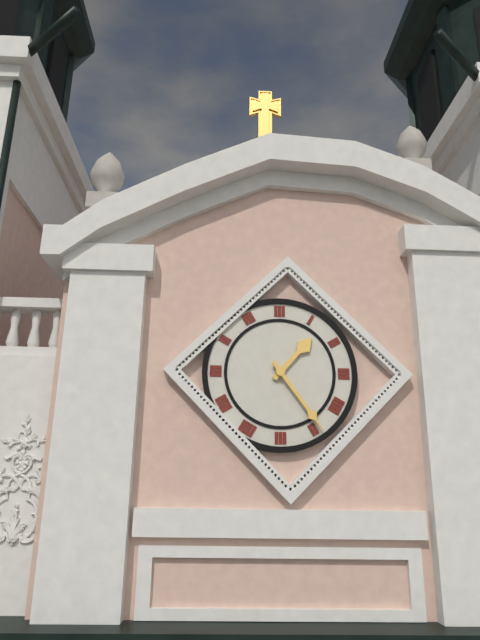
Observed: **1:24**
